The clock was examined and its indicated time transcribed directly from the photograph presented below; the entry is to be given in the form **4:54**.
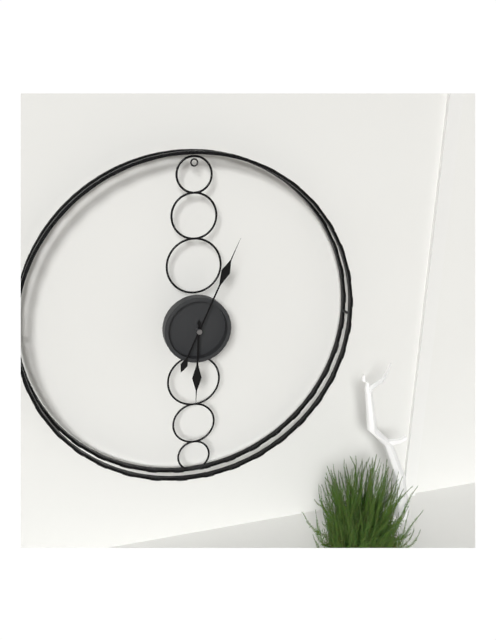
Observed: **6:04**
